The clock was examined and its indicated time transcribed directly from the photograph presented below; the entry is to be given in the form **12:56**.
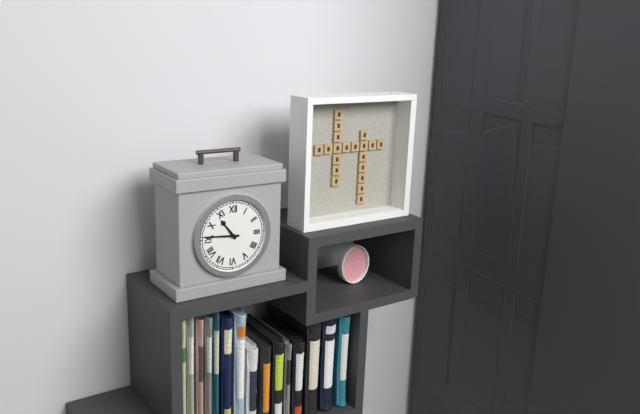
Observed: **10:46**
